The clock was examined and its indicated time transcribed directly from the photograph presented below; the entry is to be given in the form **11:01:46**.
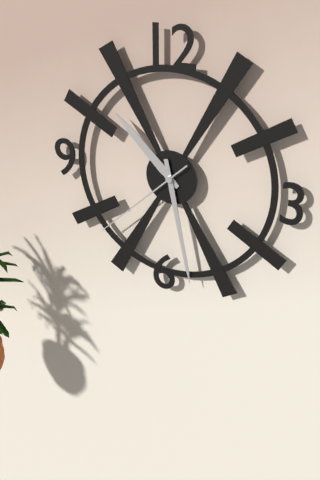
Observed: **10:28:38**
